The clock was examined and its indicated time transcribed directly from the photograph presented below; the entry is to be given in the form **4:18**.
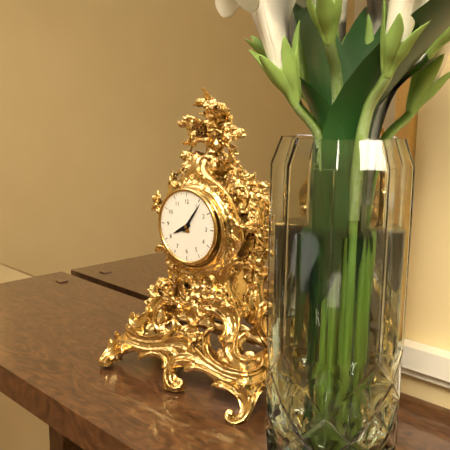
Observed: **8:06**
